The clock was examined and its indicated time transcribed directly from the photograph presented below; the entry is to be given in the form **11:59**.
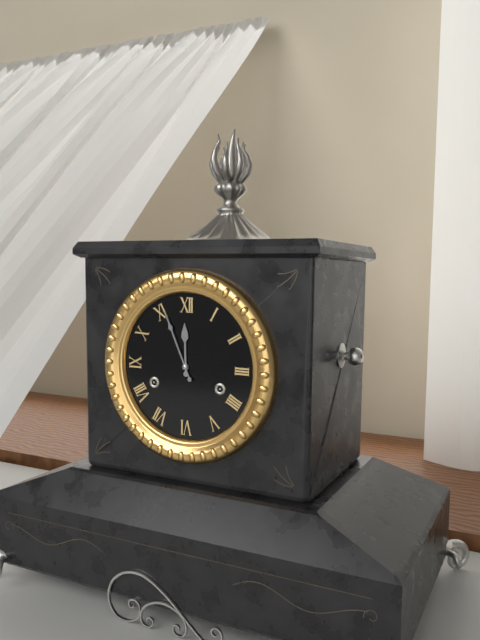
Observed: **11:56**
